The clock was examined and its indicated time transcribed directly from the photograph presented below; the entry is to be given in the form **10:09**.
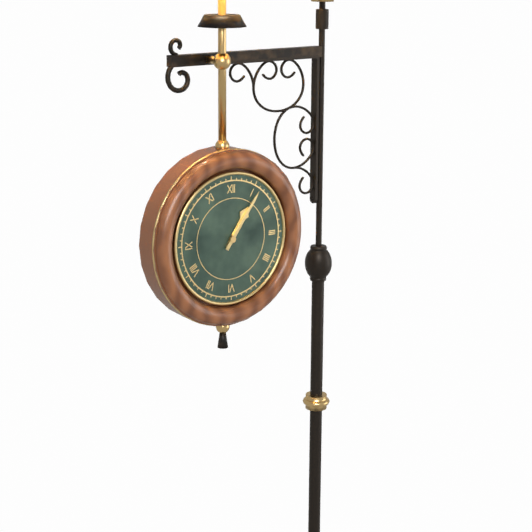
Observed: **1:06**
